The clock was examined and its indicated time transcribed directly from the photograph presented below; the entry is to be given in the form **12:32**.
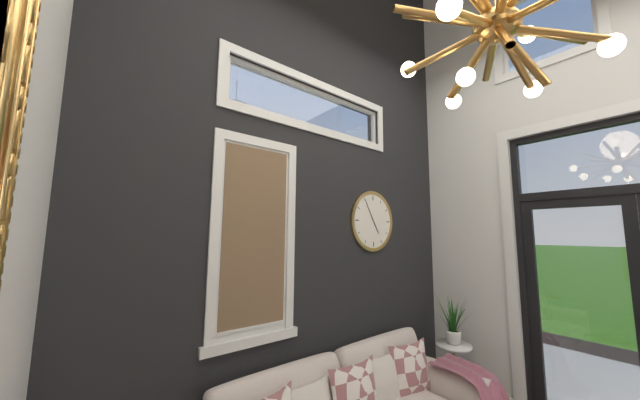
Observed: **4:55**
